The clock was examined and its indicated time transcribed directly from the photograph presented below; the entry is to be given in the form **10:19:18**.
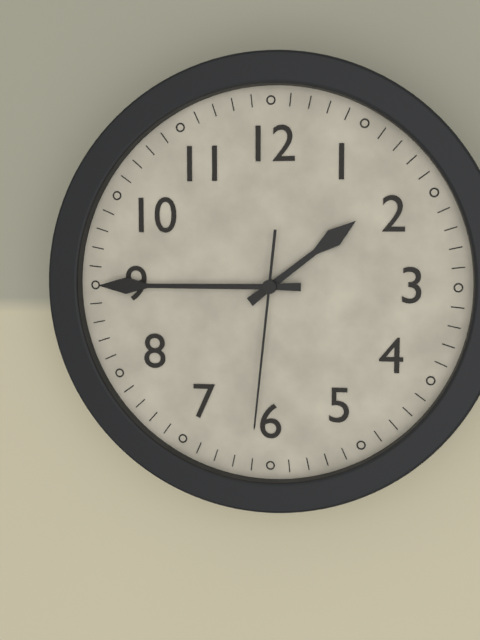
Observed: **1:45:31**
